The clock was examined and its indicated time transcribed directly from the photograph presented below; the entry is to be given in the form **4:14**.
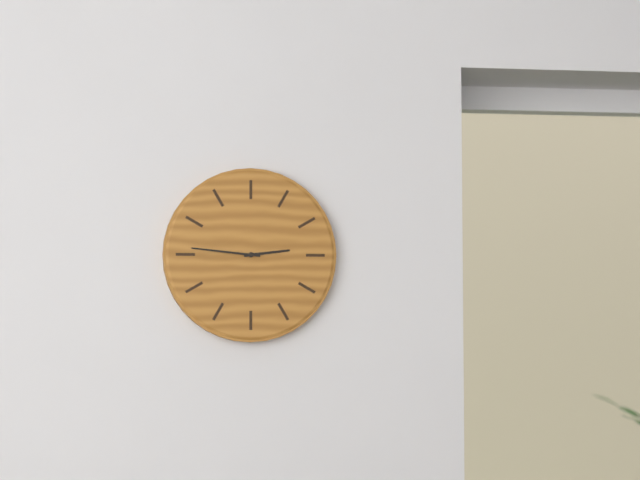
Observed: **2:46**
